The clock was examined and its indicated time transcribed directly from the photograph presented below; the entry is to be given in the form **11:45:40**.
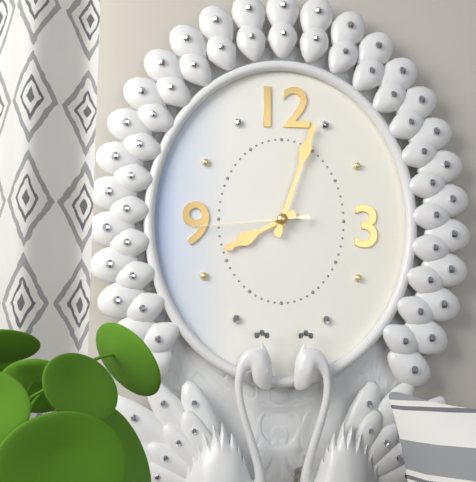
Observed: **8:03:44**
